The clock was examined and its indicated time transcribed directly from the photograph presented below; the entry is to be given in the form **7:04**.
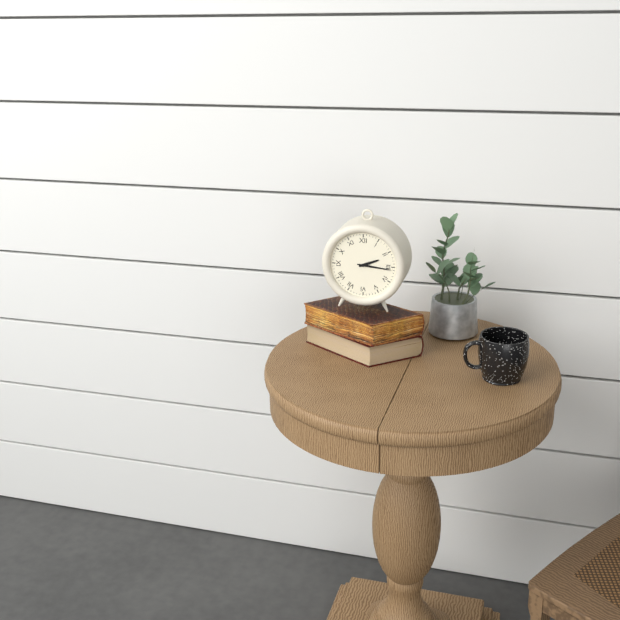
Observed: **2:16**
